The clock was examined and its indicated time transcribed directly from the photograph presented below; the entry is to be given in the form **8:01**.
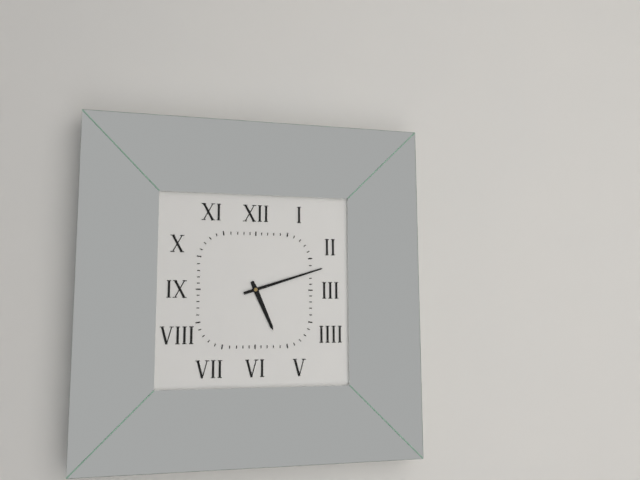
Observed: **5:12**
